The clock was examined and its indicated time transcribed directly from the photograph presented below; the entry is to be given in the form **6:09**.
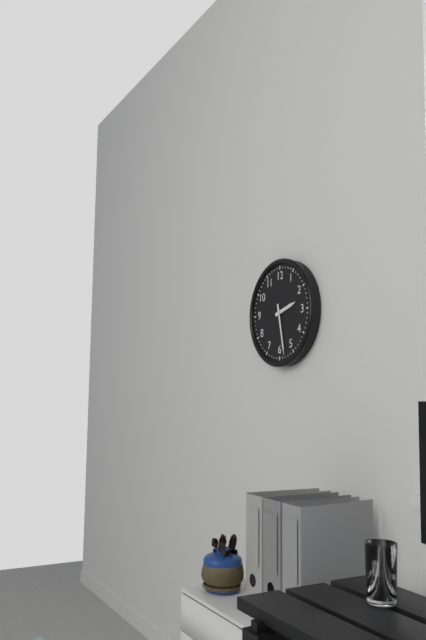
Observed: **2:28**
